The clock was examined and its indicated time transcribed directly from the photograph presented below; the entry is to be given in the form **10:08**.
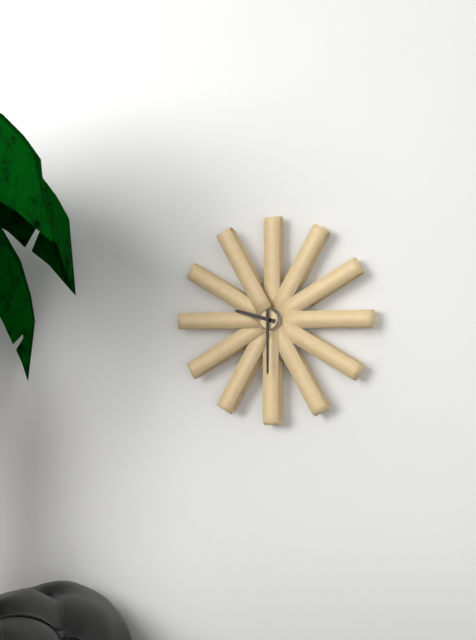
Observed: **9:30**
